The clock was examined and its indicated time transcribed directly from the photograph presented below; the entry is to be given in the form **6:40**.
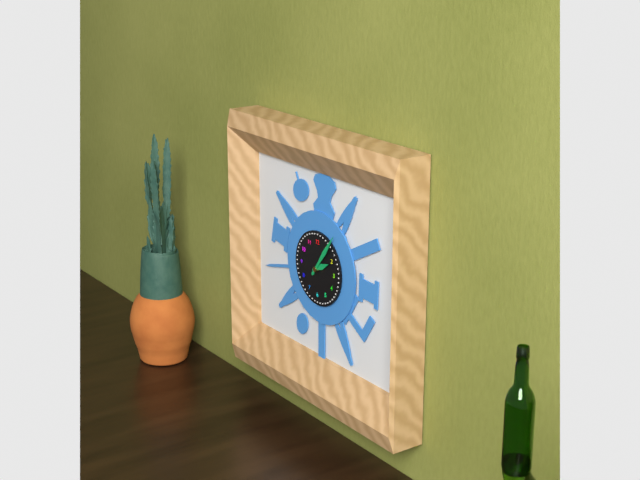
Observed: **2:06**
